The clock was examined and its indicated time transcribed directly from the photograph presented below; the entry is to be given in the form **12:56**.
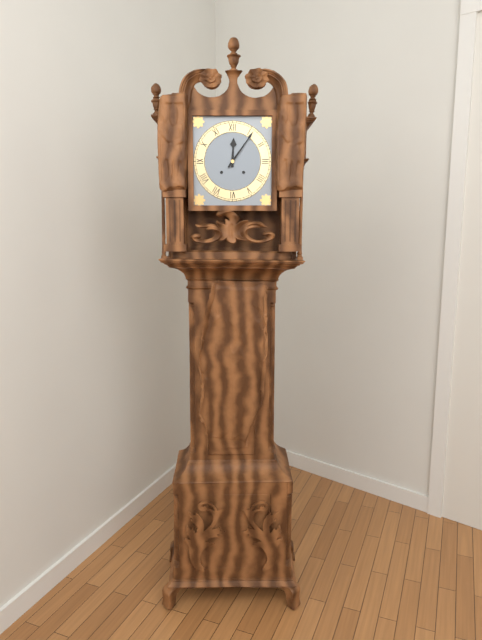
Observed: **12:06**
